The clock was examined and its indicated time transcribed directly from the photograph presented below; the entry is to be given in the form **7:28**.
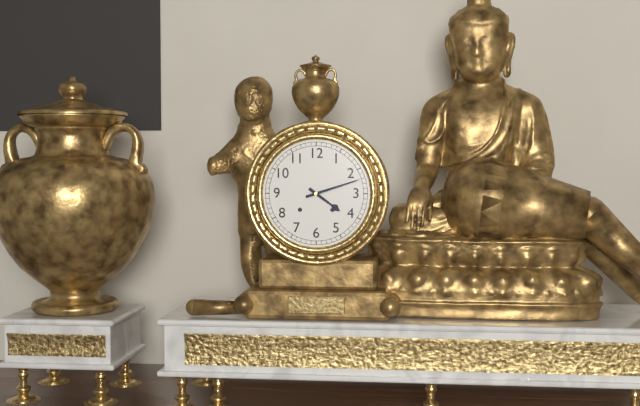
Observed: **4:12**
